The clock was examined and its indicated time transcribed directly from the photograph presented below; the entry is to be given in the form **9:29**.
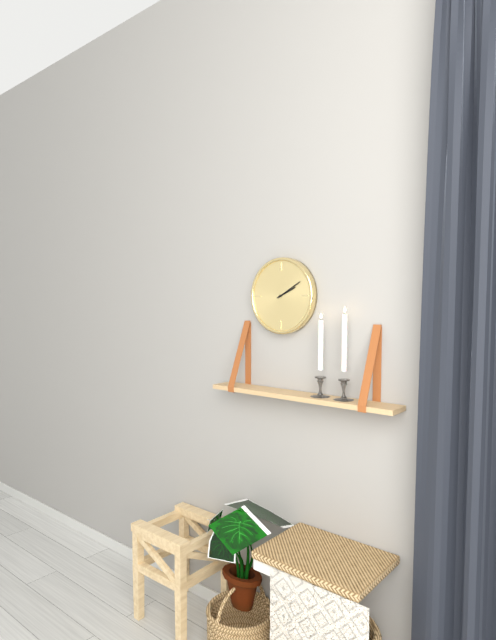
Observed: **2:10**
